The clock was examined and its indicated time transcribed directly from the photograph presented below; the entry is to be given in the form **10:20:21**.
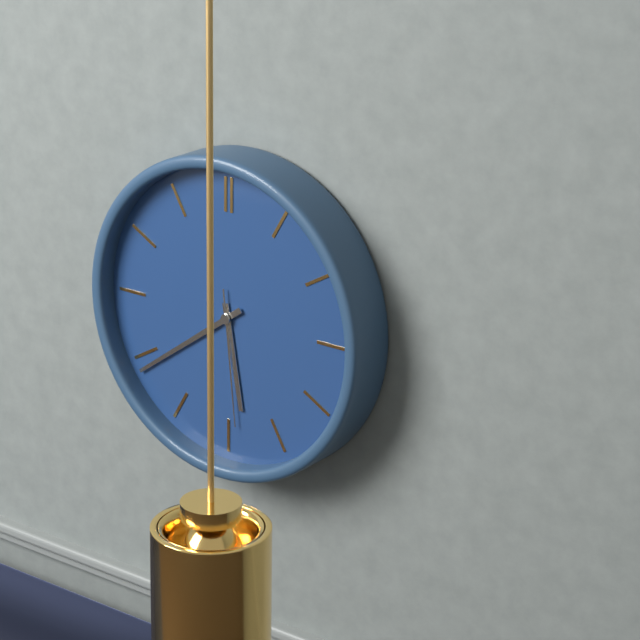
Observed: **5:39:29**
